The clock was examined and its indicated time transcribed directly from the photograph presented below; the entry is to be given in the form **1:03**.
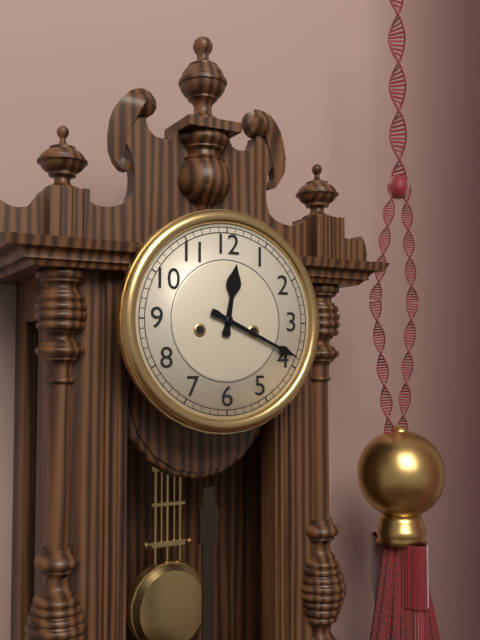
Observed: **12:19**
